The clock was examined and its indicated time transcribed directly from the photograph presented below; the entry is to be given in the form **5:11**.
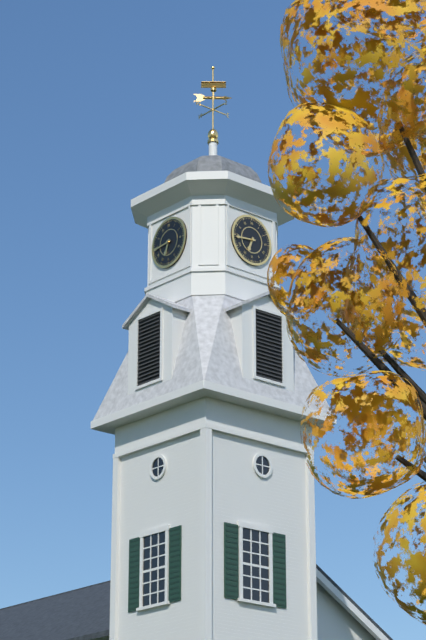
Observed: **6:44**
